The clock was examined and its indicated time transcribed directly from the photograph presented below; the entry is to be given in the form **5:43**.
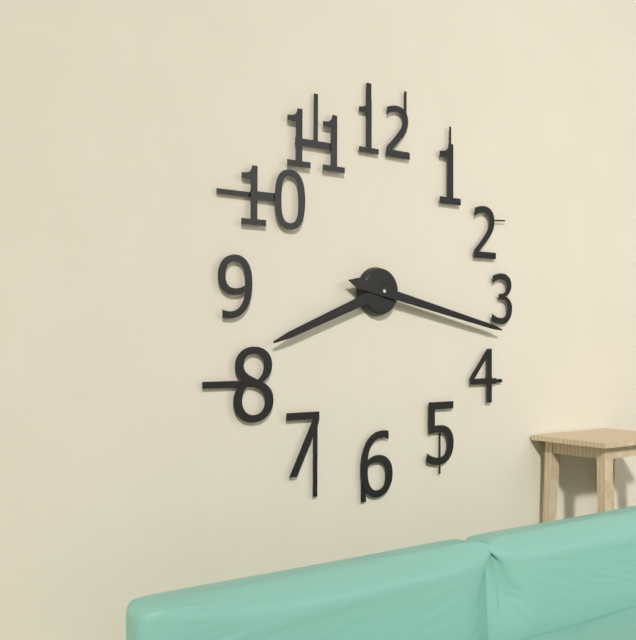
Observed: **8:17**
